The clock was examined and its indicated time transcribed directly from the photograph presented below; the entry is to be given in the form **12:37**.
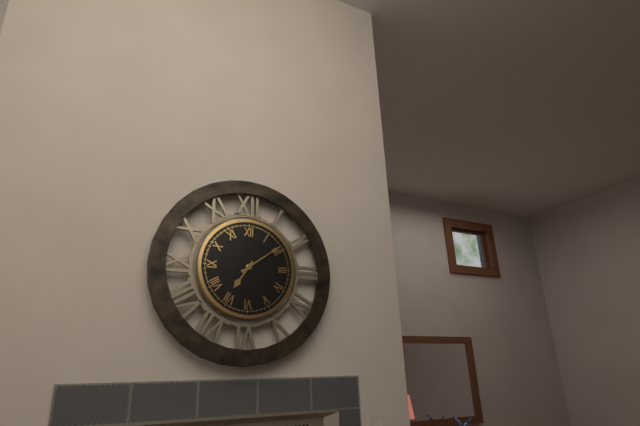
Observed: **7:09**
